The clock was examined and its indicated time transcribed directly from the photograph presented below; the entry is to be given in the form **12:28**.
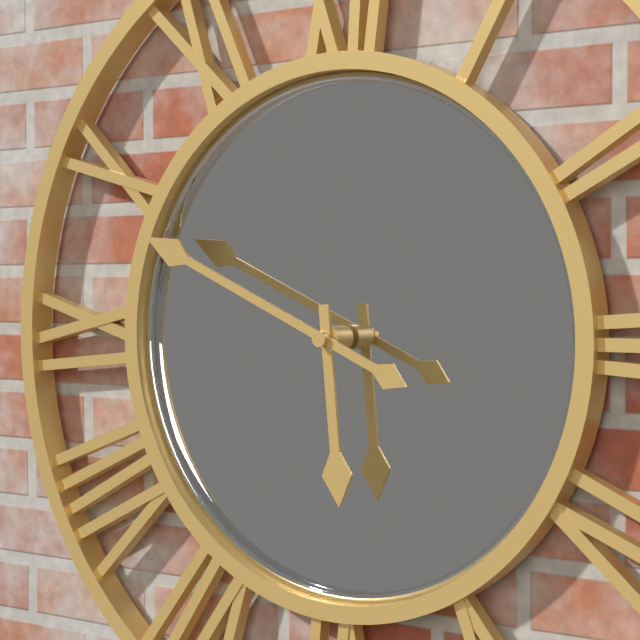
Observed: **5:49**
